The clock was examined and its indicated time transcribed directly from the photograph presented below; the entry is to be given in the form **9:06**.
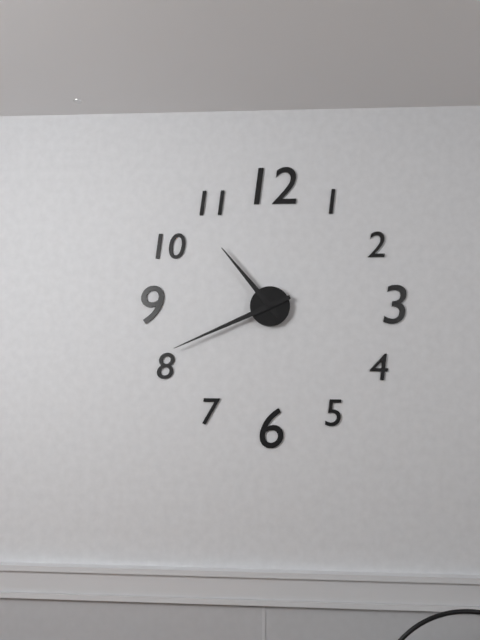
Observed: **10:41**
